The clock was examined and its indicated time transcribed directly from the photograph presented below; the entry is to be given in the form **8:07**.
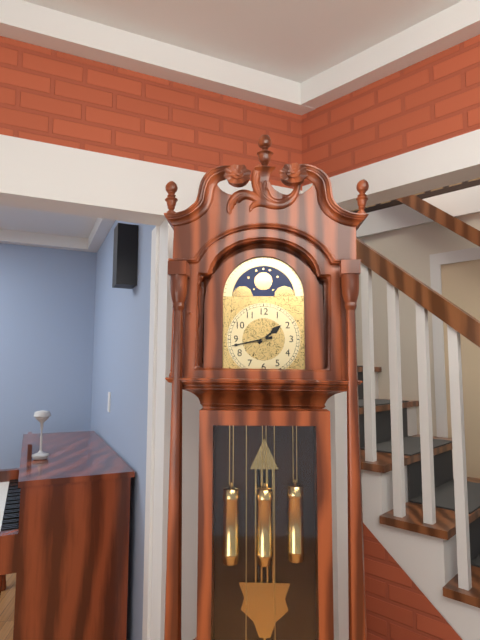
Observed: **1:43**
